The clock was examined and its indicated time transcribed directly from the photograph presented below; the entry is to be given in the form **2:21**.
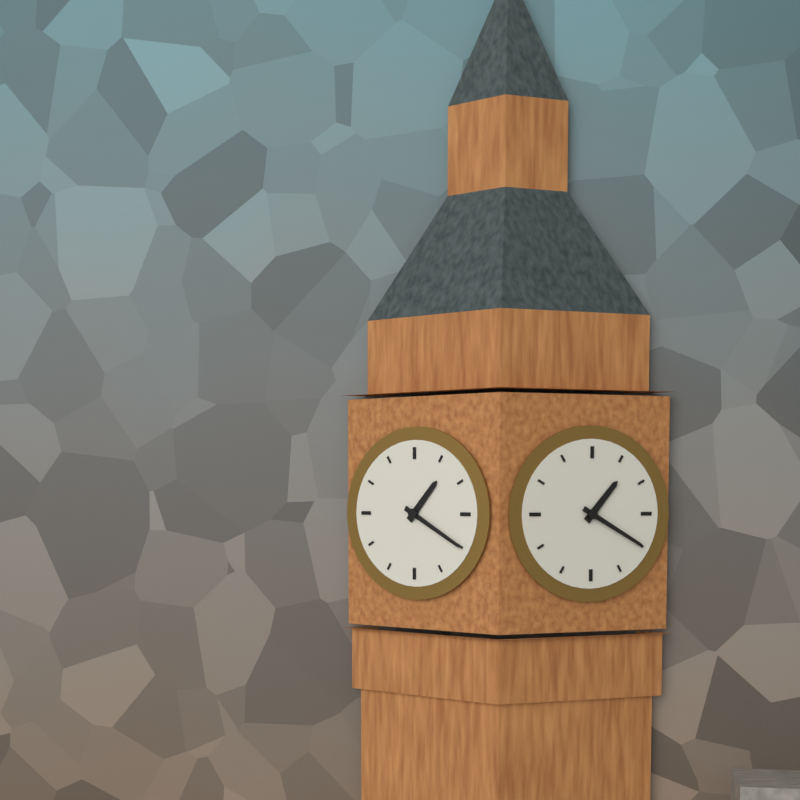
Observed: **1:20**
